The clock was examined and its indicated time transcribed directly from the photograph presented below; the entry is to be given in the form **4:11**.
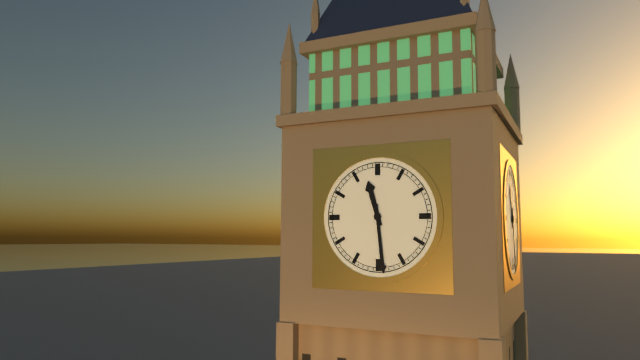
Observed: **11:29**
